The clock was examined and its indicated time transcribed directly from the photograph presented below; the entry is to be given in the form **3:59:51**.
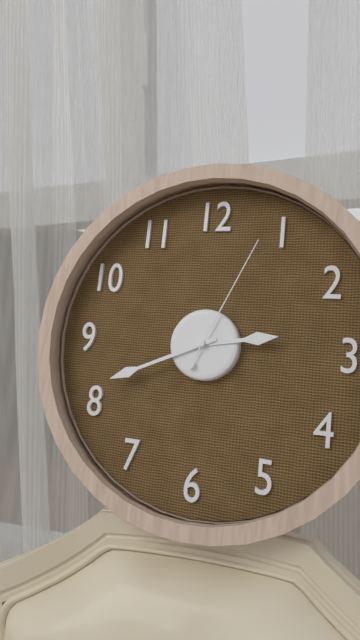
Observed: **2:41:04**
